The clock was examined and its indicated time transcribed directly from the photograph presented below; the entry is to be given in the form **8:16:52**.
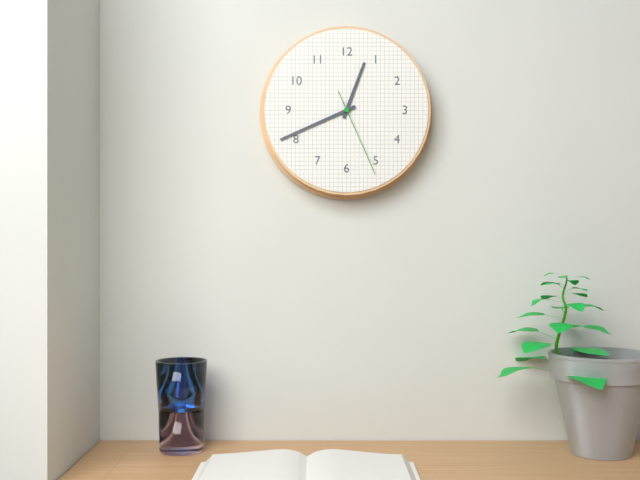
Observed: **12:41:26**
